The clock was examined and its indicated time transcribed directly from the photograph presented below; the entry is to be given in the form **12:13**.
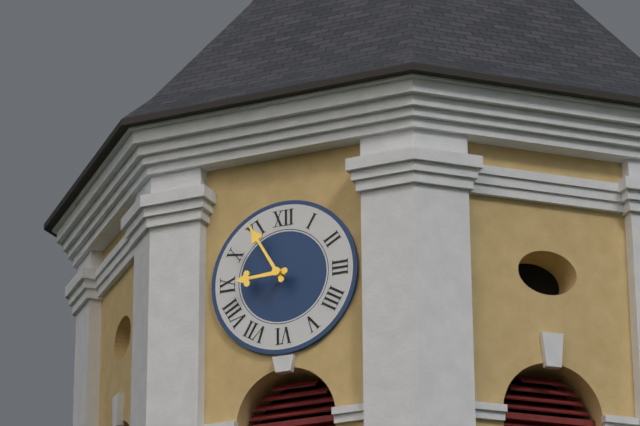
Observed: **8:55**
